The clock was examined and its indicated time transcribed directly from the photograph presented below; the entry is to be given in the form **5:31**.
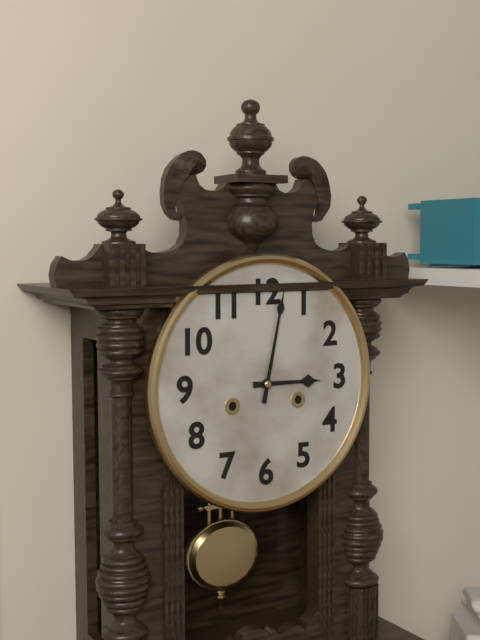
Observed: **3:02**
